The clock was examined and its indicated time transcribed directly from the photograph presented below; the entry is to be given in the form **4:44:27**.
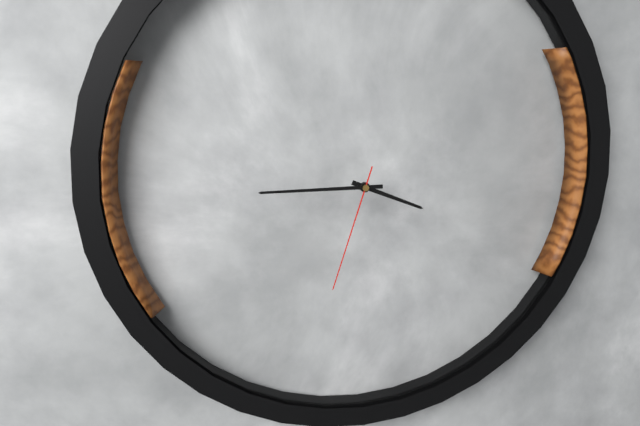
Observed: **3:45:33**
